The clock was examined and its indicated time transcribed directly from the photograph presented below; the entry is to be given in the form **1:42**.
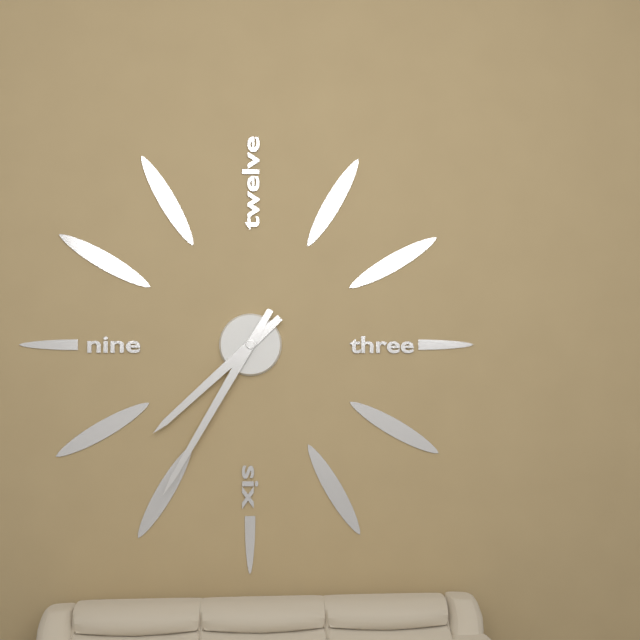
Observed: **7:35**
